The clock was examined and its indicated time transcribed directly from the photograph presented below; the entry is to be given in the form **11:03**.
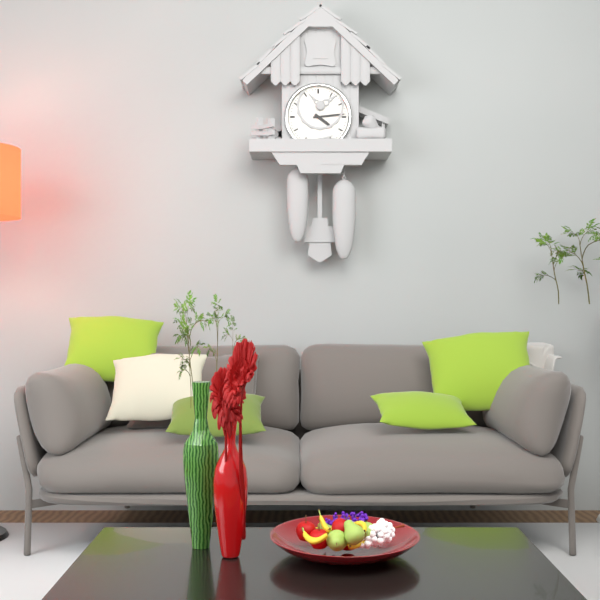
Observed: **4:14**
